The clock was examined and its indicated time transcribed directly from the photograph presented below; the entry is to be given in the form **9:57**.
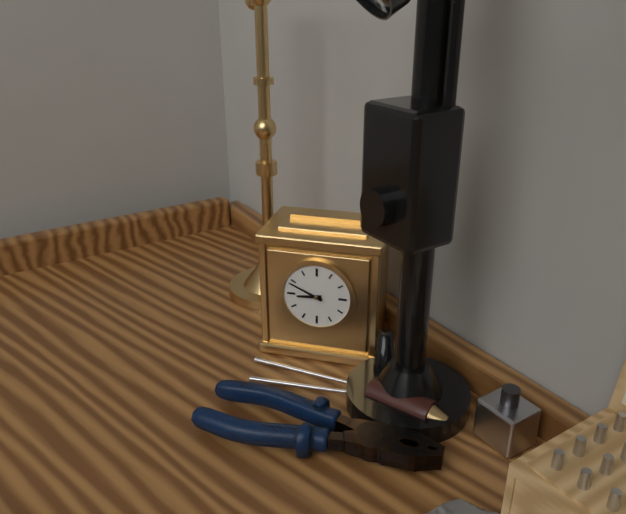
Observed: **8:49**
